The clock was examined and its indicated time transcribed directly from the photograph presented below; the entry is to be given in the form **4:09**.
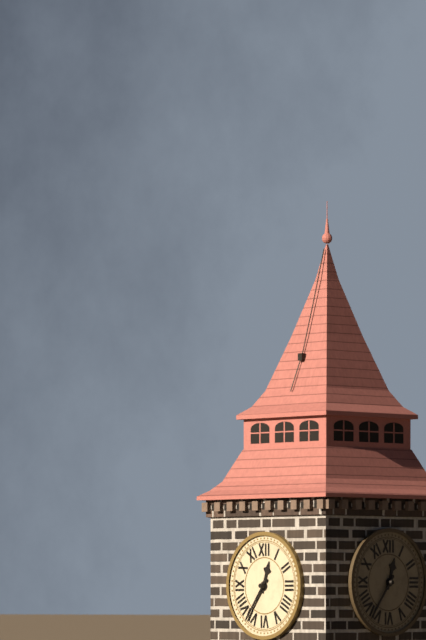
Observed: **12:36**
